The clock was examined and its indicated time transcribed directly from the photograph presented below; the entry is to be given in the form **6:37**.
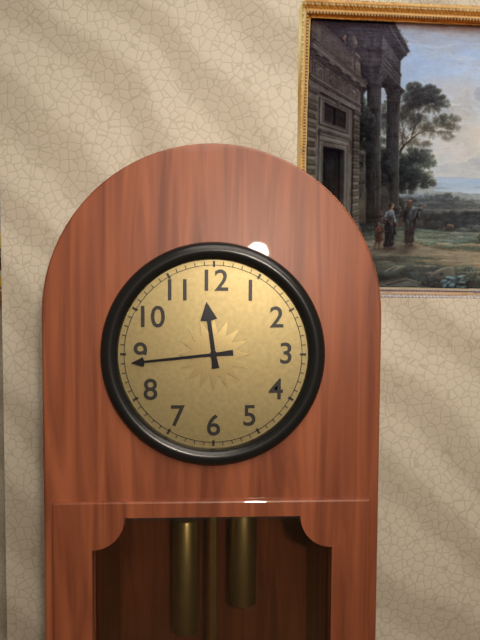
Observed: **11:44**
